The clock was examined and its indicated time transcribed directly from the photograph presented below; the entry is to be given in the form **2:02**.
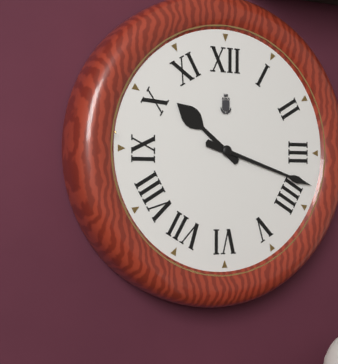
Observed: **10:18**
